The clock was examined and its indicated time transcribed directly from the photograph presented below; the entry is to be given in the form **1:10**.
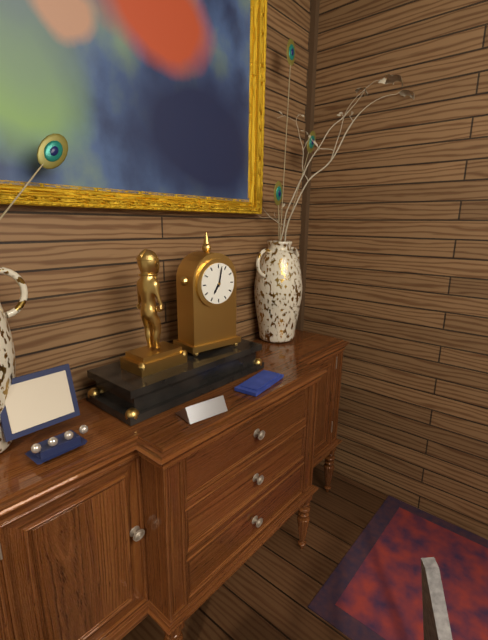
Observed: **7:02**
